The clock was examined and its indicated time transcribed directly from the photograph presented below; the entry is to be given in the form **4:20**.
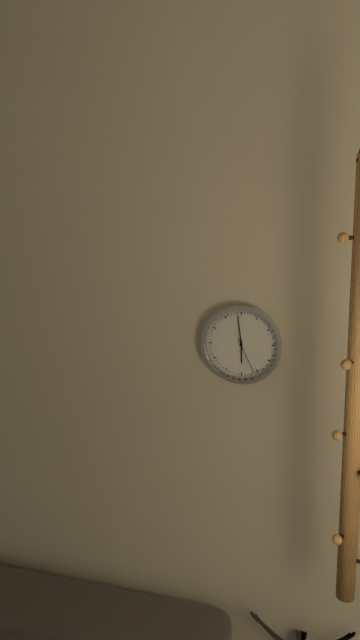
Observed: **5:59**
